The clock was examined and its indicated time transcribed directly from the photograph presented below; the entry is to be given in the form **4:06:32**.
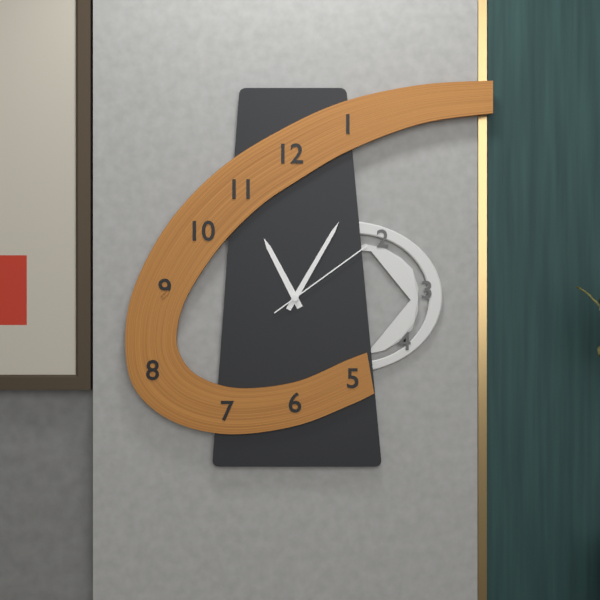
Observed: **11:05:09**
